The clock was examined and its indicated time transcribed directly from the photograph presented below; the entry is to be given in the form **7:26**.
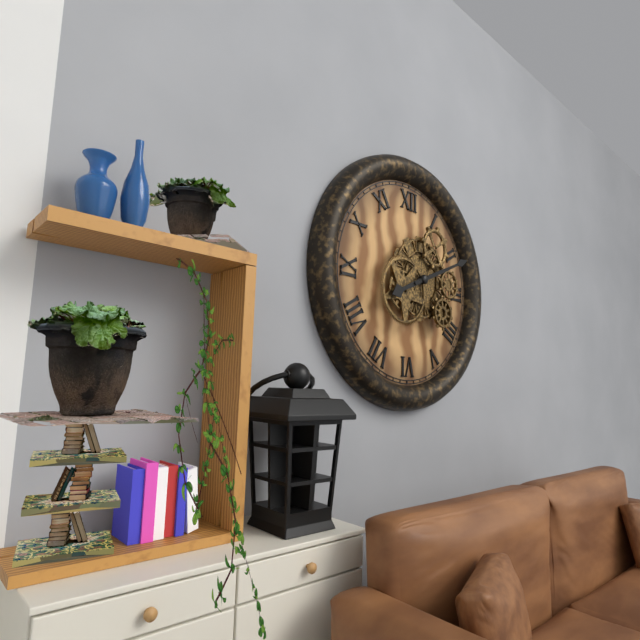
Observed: **8:11**
